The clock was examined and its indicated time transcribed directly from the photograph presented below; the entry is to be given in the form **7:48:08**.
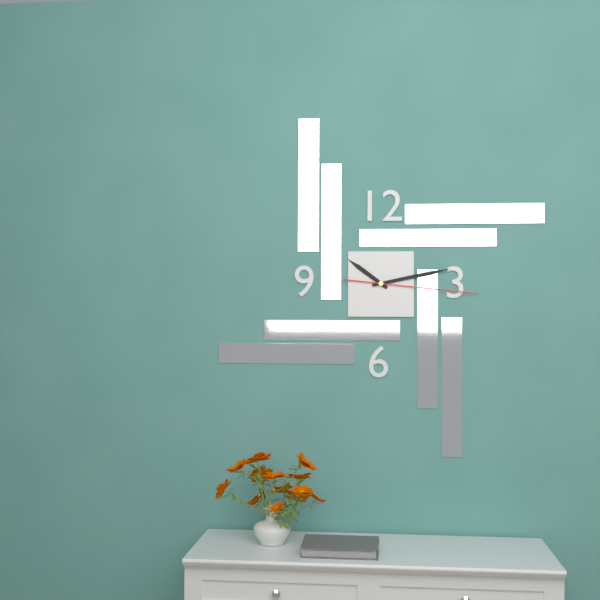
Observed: **10:13:16**
